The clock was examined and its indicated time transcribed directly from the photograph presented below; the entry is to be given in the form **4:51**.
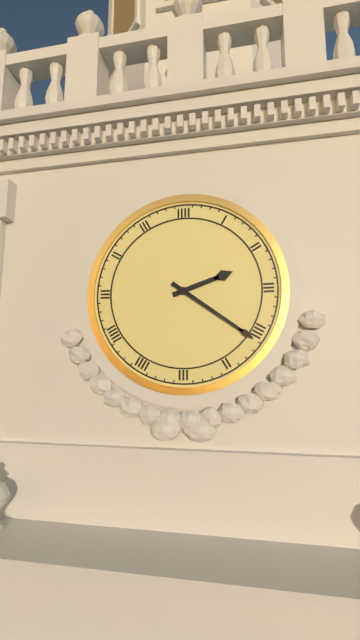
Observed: **2:21**
